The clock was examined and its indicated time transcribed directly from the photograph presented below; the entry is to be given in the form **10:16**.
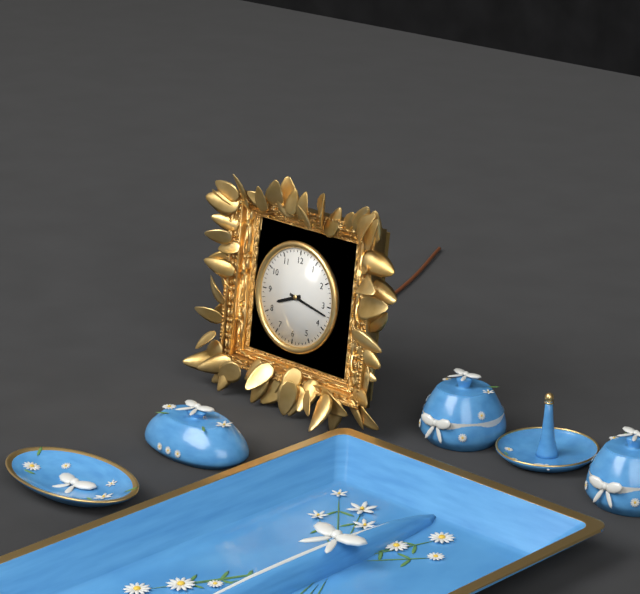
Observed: **8:17**
